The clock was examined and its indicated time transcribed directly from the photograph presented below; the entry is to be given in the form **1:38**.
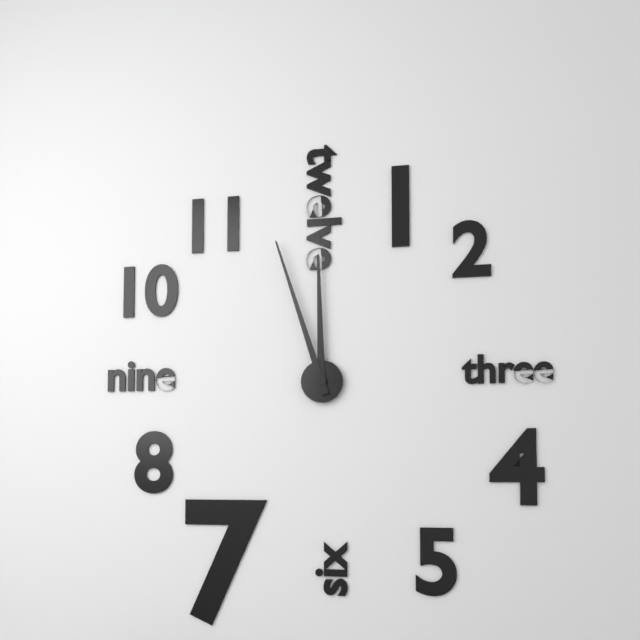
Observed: **11:57**
